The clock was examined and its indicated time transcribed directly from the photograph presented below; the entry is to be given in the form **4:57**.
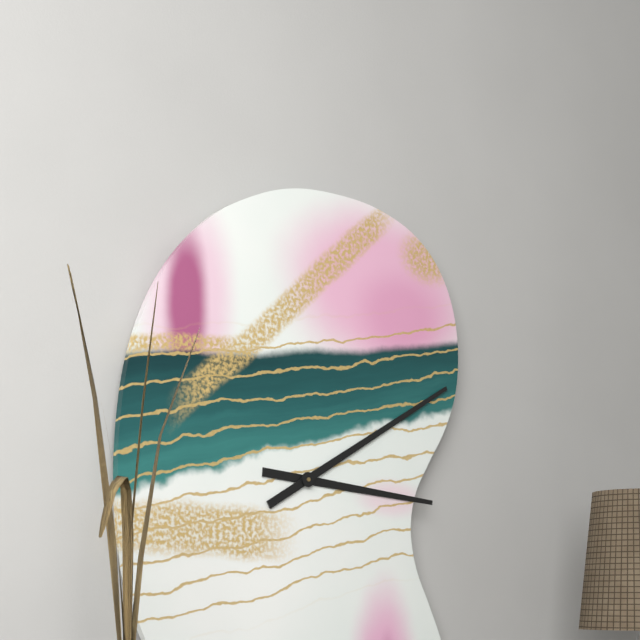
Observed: **3:10**
